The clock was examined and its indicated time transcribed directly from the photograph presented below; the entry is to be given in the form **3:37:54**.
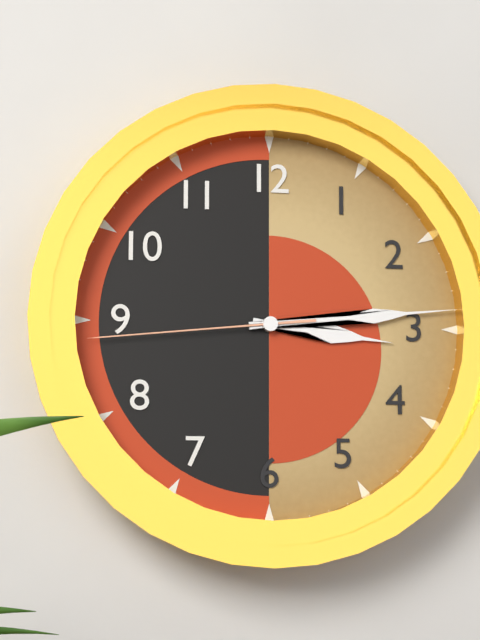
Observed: **3:14:44**
